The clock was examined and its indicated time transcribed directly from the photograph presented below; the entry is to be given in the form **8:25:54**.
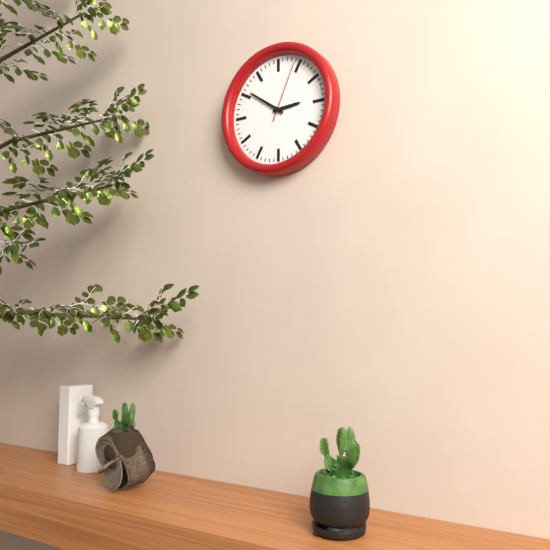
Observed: **2:51:04**
